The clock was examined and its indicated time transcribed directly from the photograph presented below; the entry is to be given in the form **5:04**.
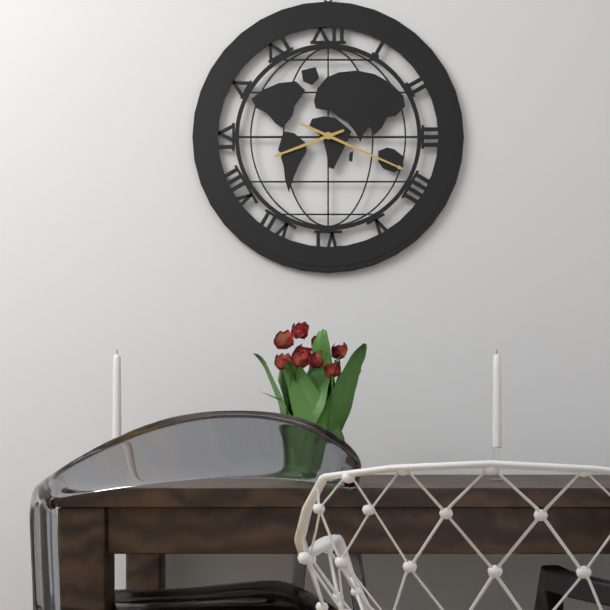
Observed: **8:19**
